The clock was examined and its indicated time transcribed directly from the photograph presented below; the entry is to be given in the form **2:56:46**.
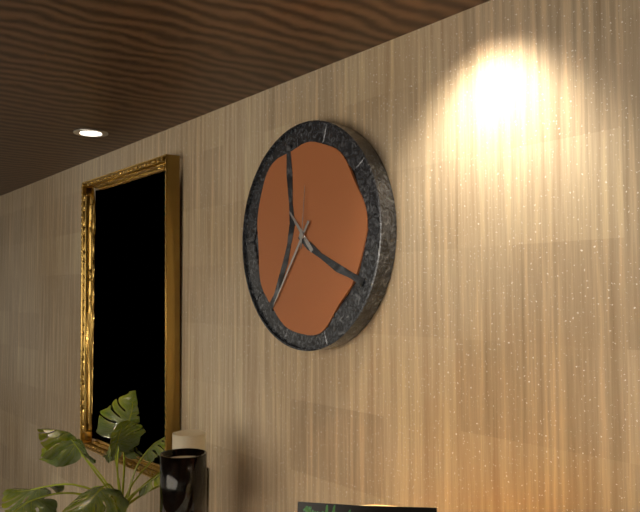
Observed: **10:36:01**
